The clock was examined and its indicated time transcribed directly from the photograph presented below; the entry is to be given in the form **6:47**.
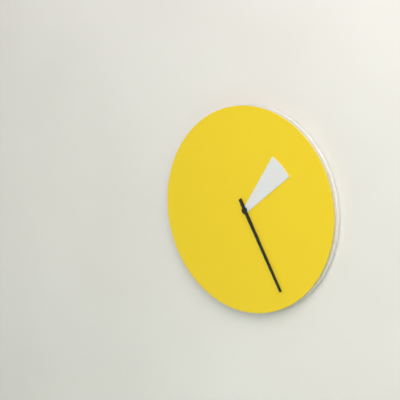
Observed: **1:25**
